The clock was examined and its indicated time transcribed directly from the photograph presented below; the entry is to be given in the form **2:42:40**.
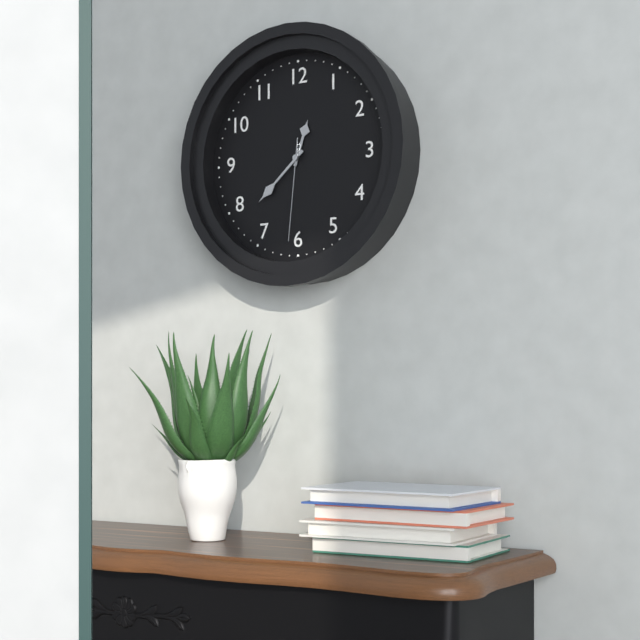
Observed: **12:38:31**
